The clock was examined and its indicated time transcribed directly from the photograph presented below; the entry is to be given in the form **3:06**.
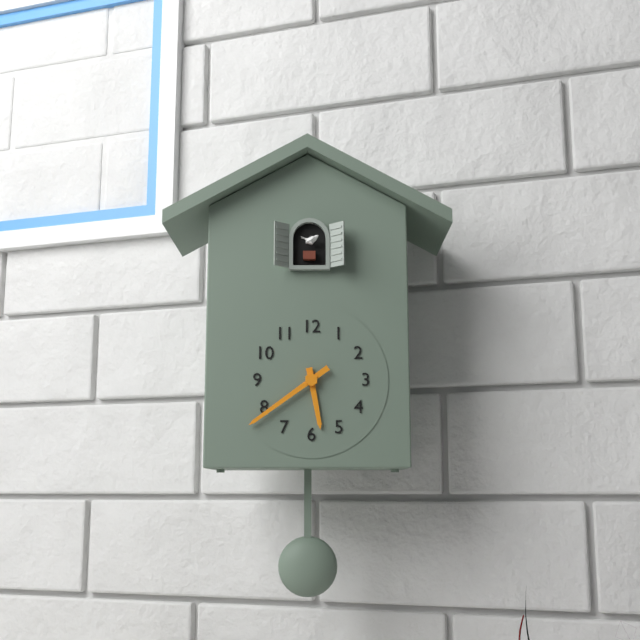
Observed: **5:39**
